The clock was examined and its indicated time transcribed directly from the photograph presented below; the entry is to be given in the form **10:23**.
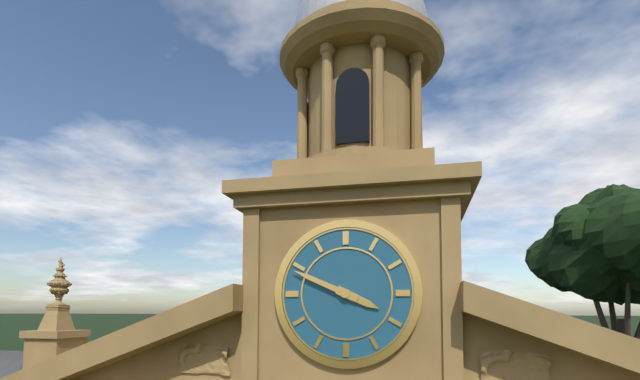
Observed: **3:49**
